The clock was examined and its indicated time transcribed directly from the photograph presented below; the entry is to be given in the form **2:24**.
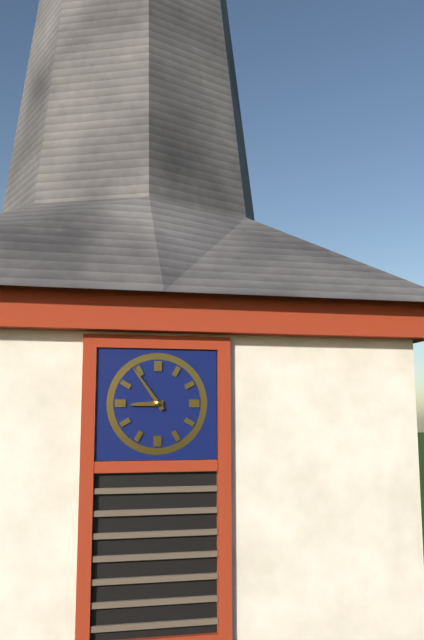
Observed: **8:54**
